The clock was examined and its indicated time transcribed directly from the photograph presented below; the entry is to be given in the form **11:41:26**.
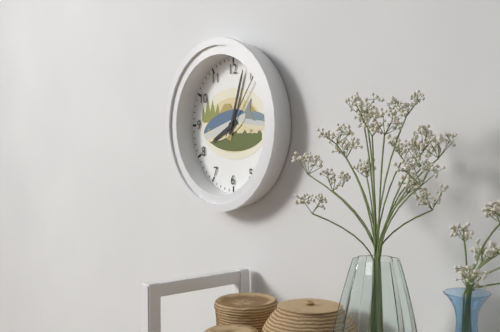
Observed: **8:03:06**
